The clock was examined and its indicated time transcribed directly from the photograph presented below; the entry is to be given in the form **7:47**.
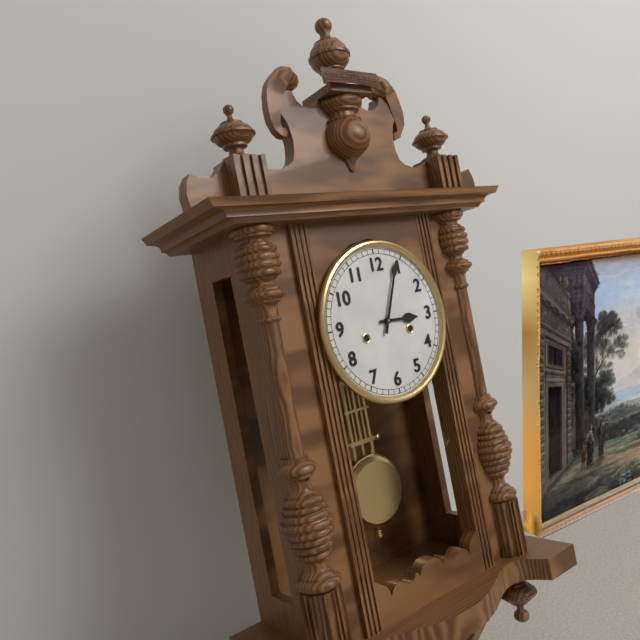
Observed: **3:04**
